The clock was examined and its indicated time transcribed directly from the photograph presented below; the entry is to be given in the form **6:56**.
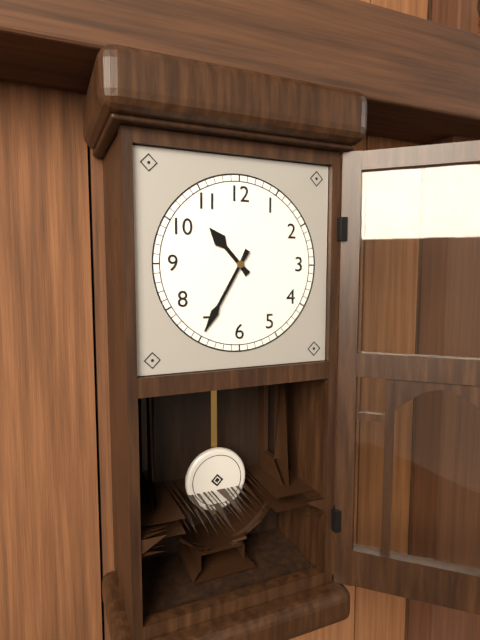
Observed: **10:35**
